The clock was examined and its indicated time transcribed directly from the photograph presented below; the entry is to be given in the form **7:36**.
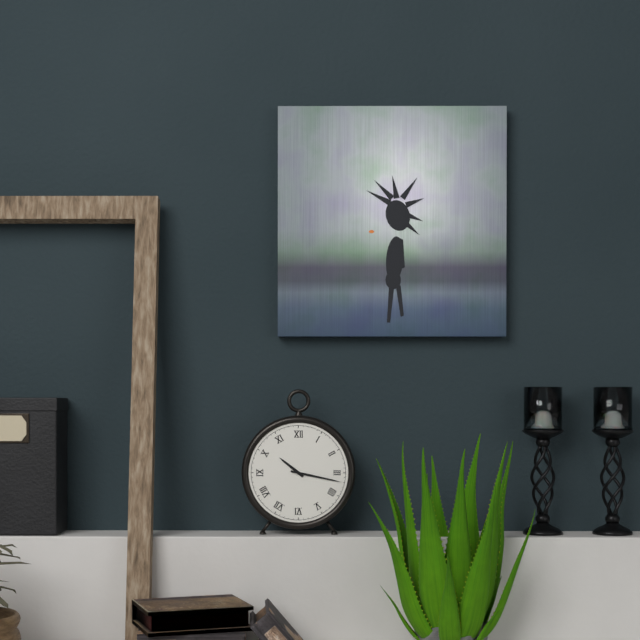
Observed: **10:17**
